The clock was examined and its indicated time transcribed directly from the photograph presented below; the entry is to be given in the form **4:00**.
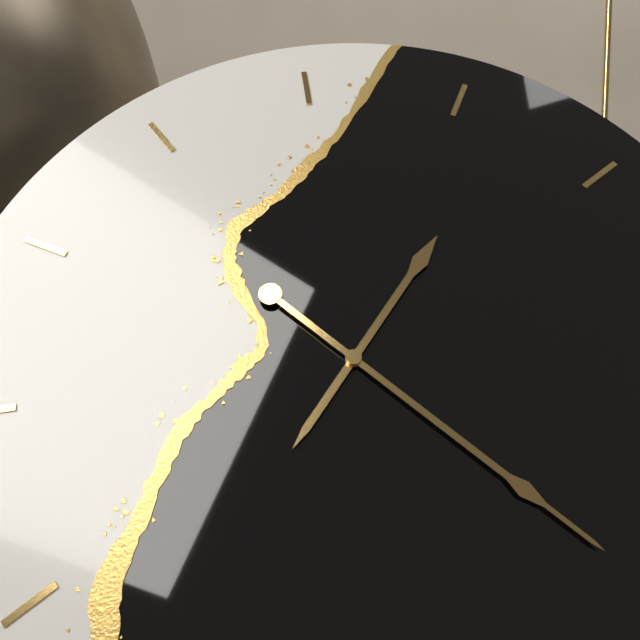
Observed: **1:23**
